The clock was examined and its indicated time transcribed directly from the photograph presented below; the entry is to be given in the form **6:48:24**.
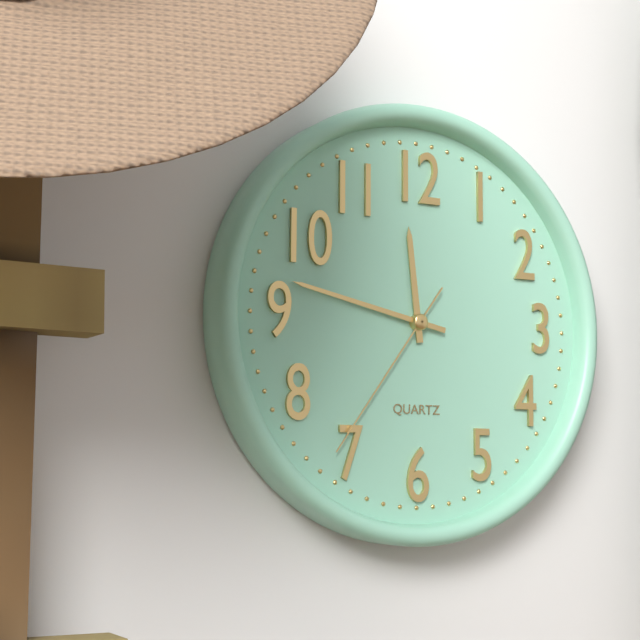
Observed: **11:47:36**
